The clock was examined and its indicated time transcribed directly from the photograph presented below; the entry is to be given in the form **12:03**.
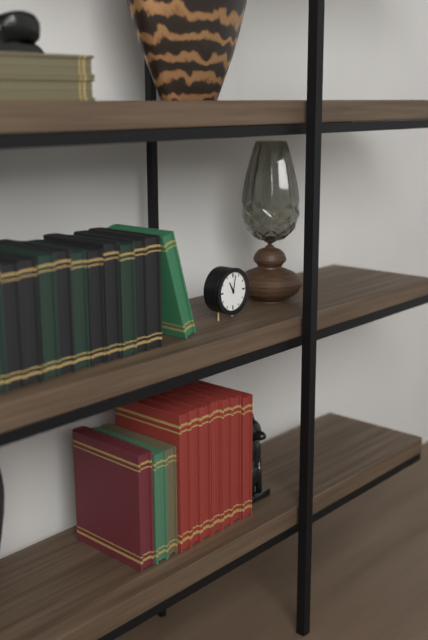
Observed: **11:02**
